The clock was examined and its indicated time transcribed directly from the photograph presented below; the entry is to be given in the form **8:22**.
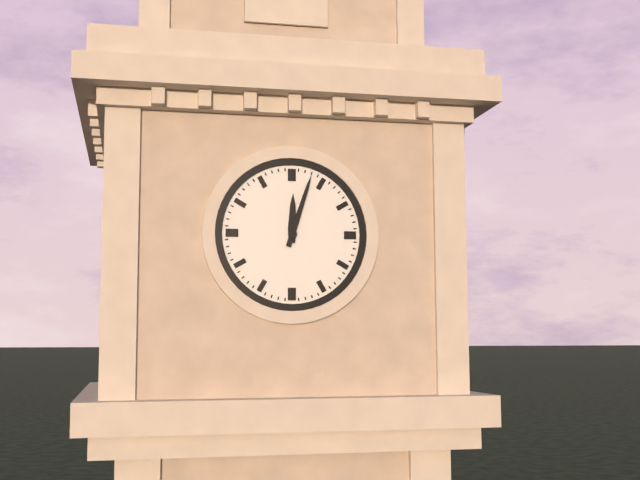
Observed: **12:03**
